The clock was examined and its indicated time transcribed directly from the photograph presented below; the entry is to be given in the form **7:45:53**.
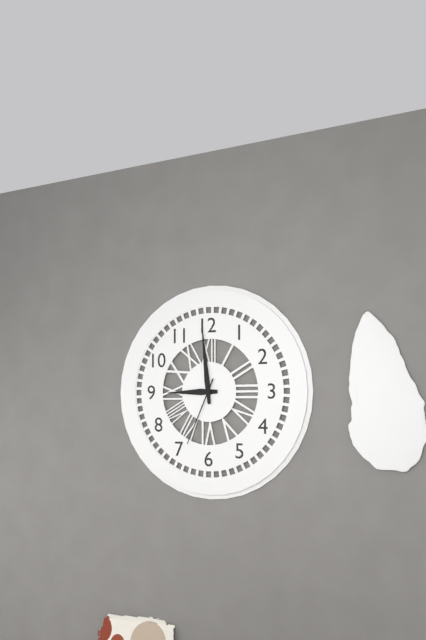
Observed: **8:59:34**
